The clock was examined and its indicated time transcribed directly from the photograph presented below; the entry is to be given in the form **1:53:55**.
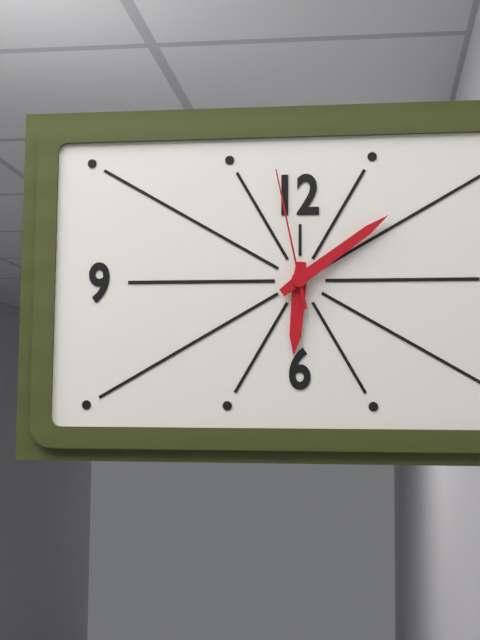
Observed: **6:09:58**
